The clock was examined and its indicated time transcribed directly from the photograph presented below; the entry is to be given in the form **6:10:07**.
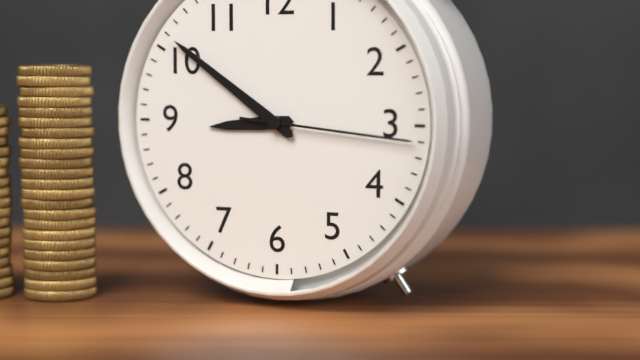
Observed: **8:51:16**
